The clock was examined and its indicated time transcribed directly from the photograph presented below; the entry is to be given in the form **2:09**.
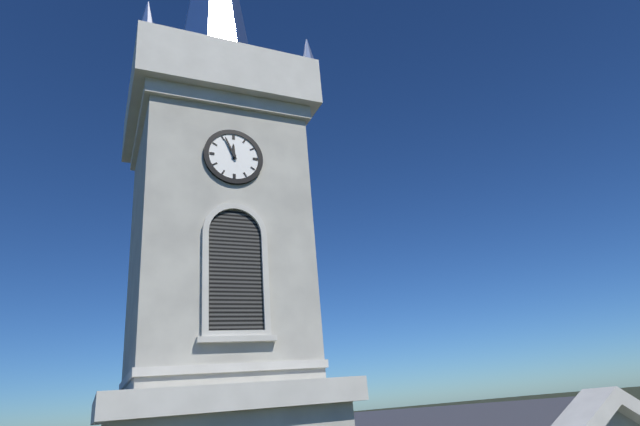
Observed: **11:56**
